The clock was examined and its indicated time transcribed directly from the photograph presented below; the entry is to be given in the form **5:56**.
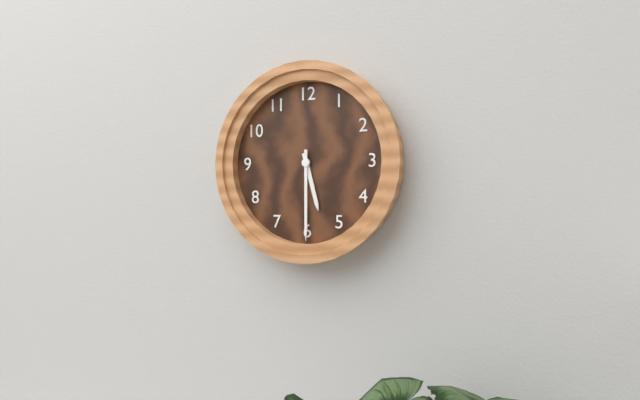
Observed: **5:30**
